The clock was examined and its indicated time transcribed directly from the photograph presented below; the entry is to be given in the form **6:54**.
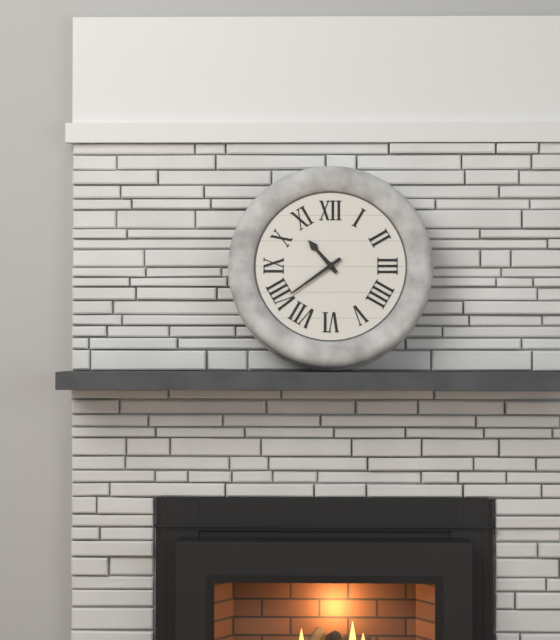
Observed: **10:39**
